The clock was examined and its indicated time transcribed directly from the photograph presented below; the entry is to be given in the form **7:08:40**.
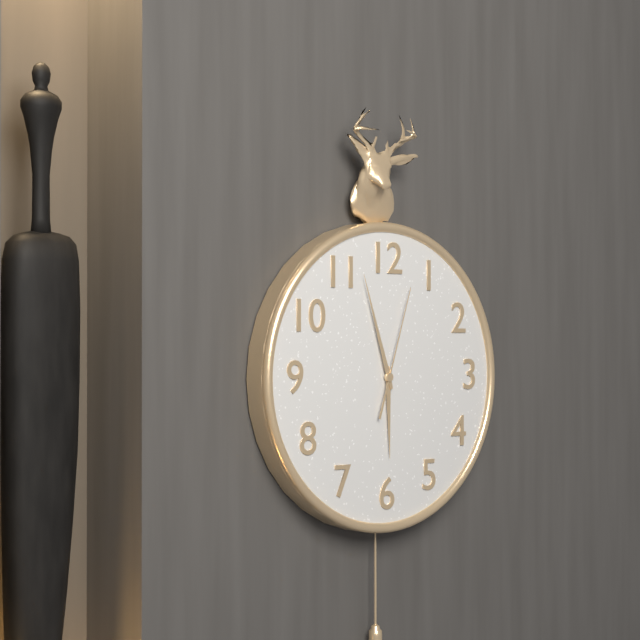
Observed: **5:57:03**
